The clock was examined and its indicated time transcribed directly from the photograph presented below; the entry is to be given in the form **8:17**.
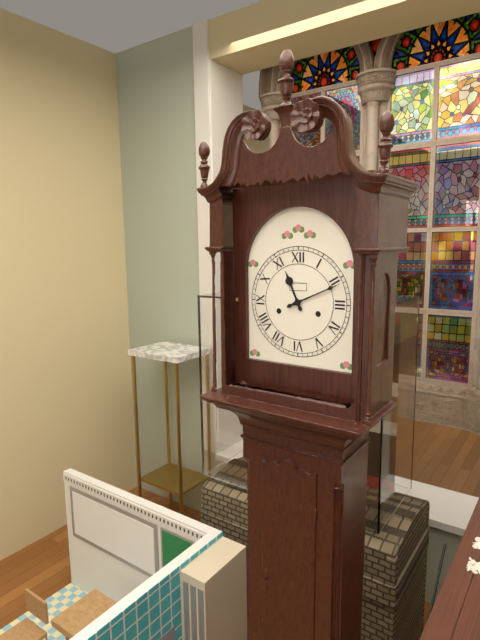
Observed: **11:11**
